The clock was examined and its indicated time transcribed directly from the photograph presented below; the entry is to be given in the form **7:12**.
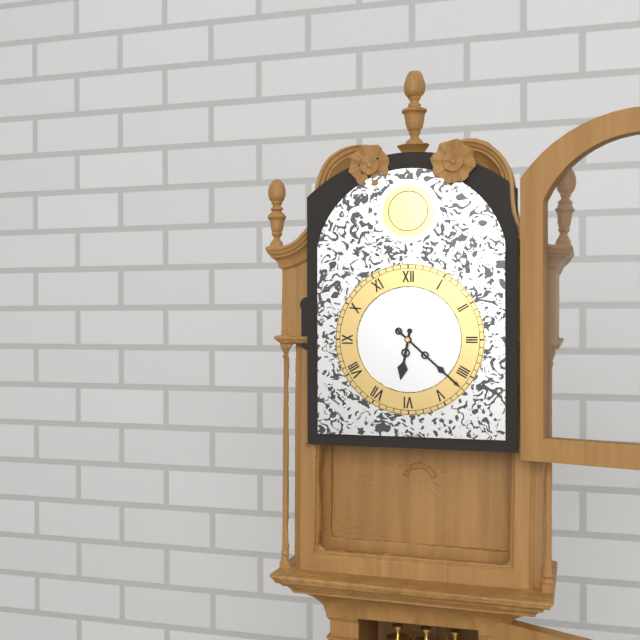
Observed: **6:22**
